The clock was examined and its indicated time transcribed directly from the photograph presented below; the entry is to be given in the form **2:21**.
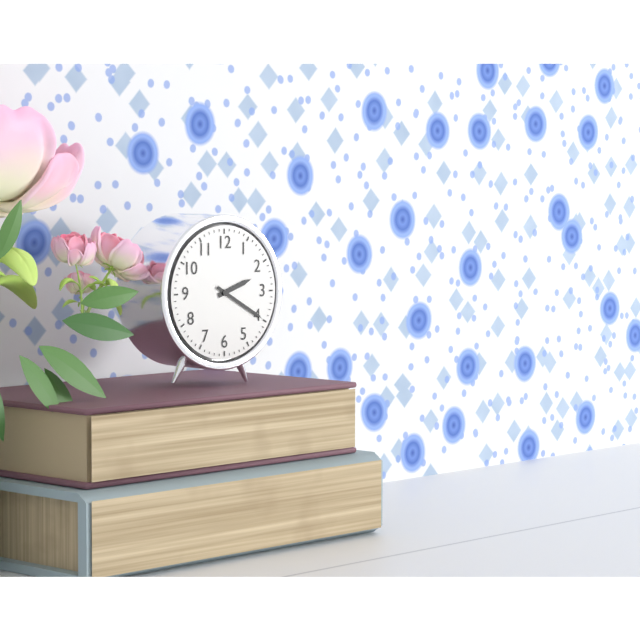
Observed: **2:20**
